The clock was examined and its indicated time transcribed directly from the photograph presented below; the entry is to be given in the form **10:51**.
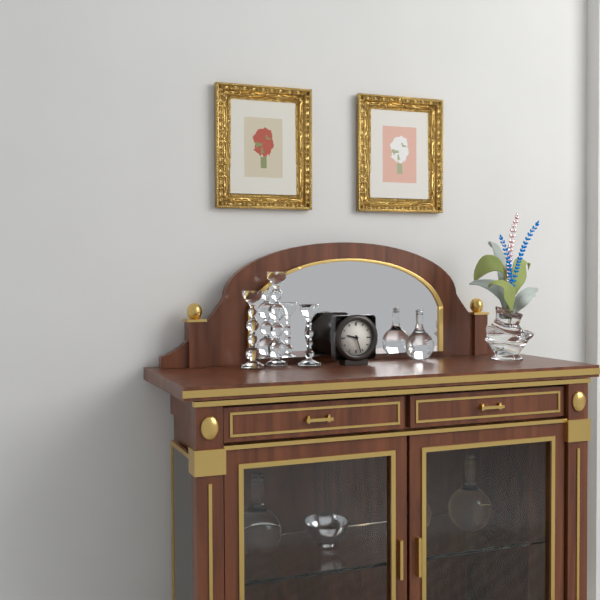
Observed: **9:27**
